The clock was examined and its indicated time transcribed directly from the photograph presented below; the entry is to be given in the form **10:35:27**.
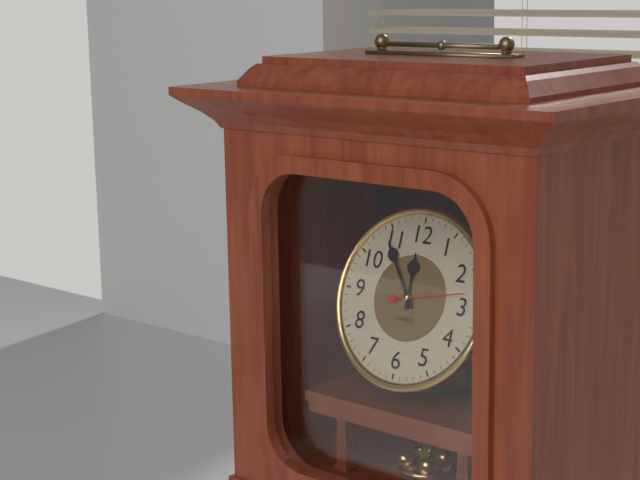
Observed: **11:54:13**
